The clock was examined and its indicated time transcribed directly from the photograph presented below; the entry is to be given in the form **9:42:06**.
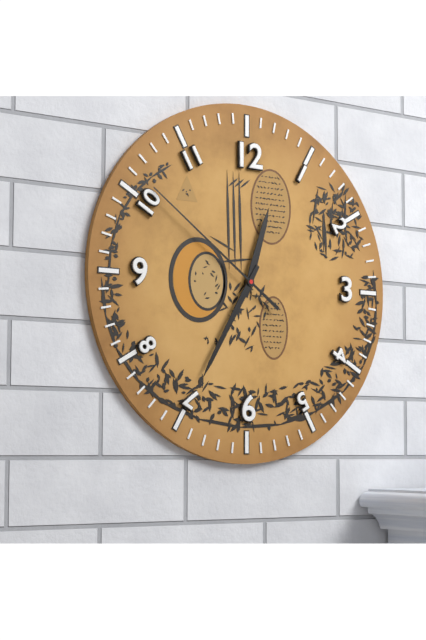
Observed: **12:35:51**
